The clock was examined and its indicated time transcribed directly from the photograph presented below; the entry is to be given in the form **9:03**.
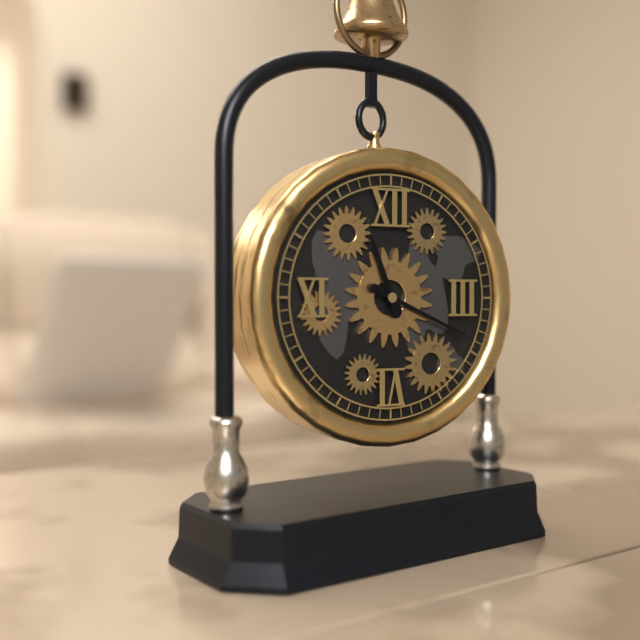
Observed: **11:19**
